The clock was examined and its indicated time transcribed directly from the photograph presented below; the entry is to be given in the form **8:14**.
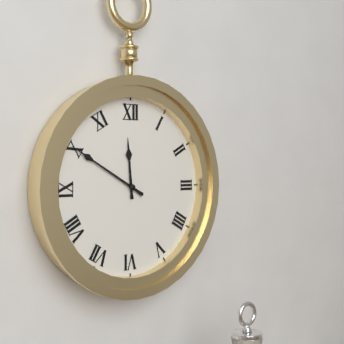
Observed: **11:50**
